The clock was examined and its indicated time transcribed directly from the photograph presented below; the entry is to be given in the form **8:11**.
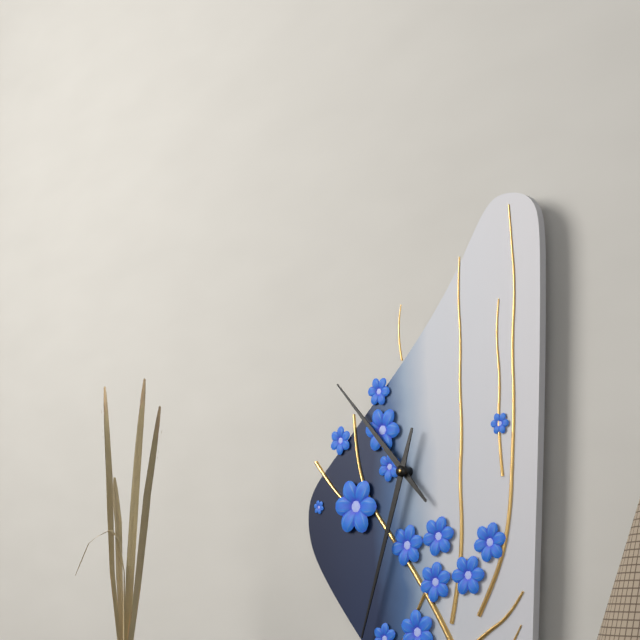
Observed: **10:33**
